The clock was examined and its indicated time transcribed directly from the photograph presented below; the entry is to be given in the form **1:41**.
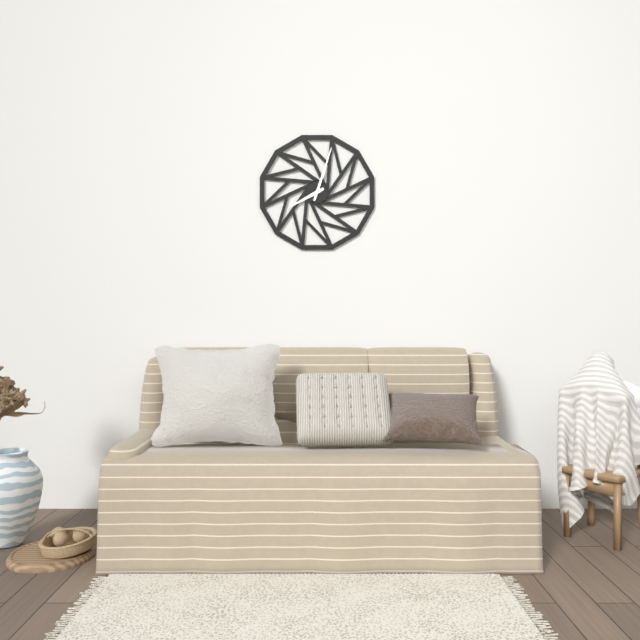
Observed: **8:03**
